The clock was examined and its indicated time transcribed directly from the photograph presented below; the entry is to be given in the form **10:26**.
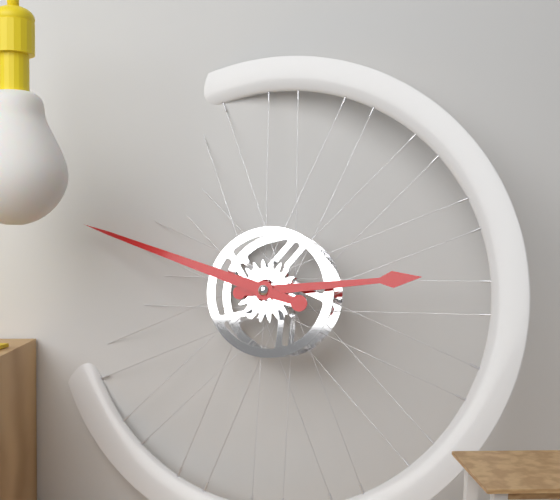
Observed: **2:48**
